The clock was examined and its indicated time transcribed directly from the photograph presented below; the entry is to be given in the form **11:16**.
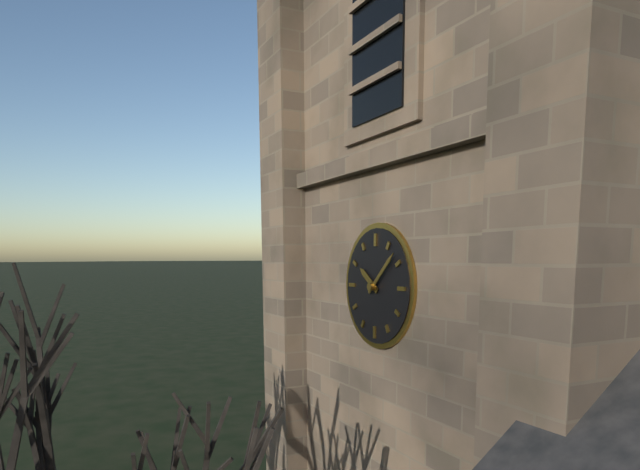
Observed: **10:08**
